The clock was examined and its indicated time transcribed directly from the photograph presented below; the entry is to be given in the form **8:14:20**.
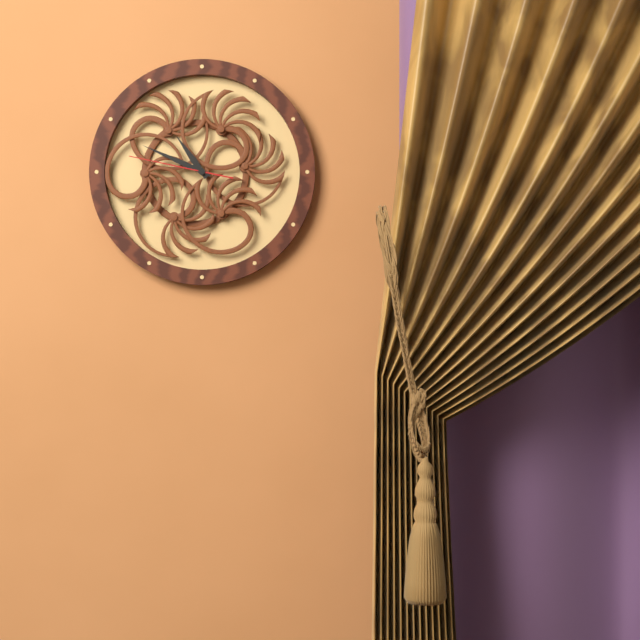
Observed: **10:49:47**
